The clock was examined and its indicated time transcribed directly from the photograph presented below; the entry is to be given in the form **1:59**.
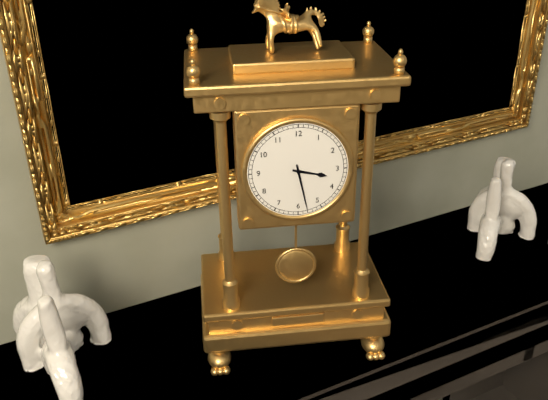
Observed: **3:28**
